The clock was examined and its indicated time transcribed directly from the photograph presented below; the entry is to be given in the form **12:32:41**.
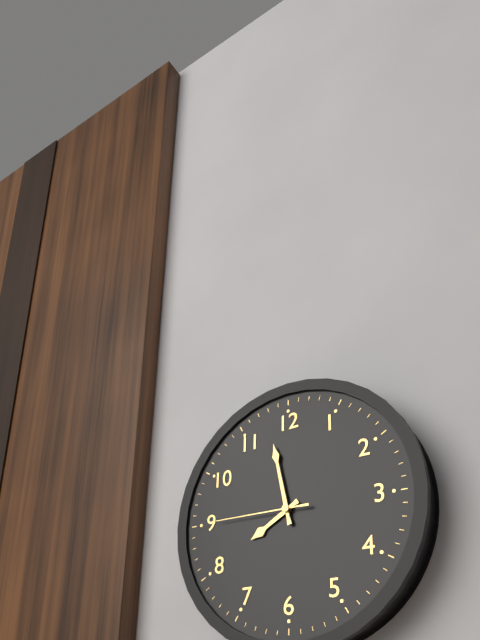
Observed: **7:58:45**
